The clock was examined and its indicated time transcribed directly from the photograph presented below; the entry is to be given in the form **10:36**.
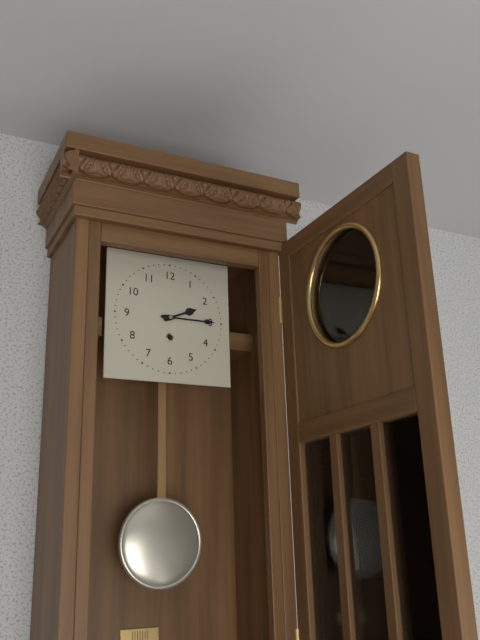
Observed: **2:15**
